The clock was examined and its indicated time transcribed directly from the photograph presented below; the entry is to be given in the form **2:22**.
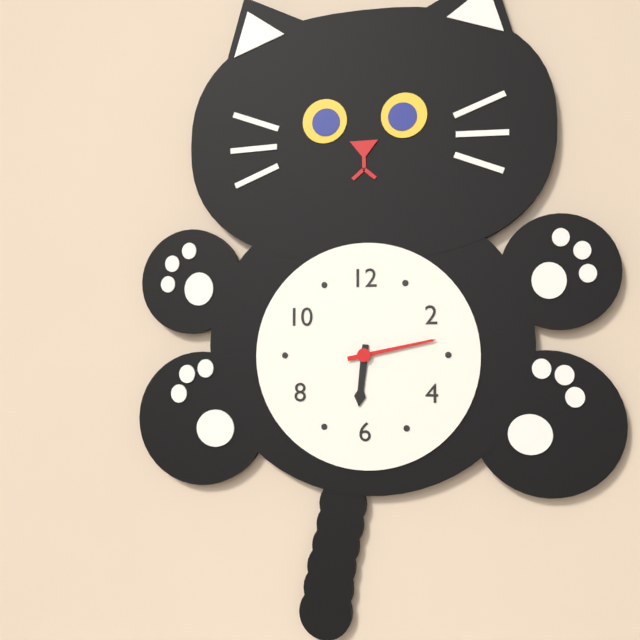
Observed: **6:13**
